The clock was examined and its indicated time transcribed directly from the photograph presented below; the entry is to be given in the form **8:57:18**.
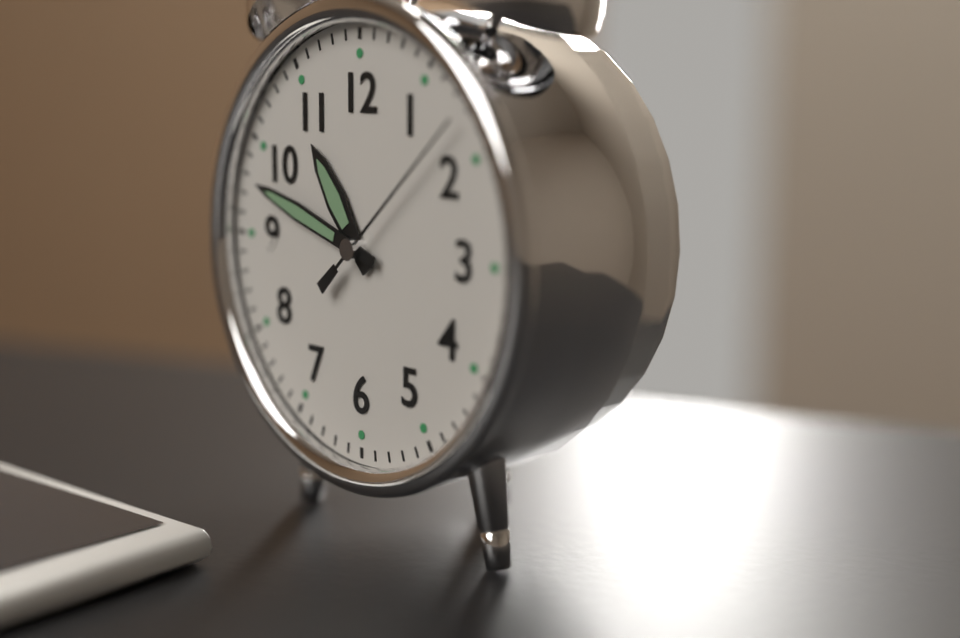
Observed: **10:48:08**
